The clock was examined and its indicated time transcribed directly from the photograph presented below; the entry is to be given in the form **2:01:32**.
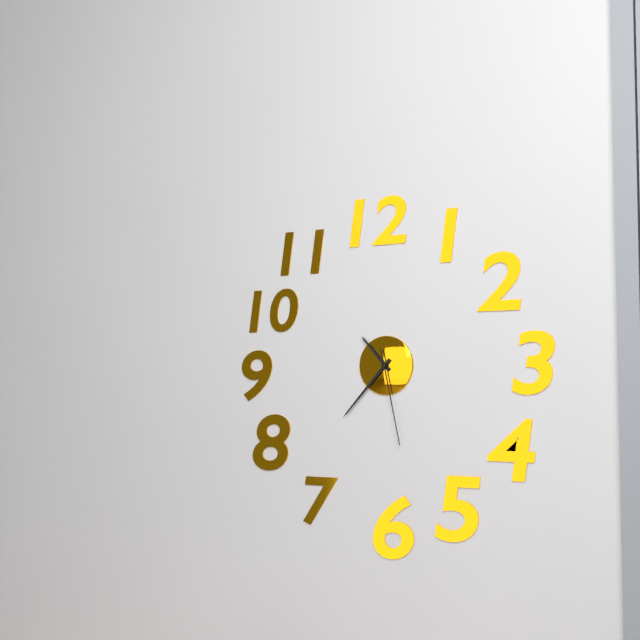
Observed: **10:37:28**
